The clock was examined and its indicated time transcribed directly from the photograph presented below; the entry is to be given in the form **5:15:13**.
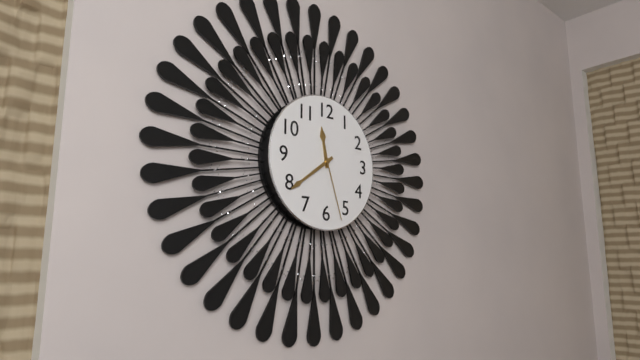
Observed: **11:39:27**
